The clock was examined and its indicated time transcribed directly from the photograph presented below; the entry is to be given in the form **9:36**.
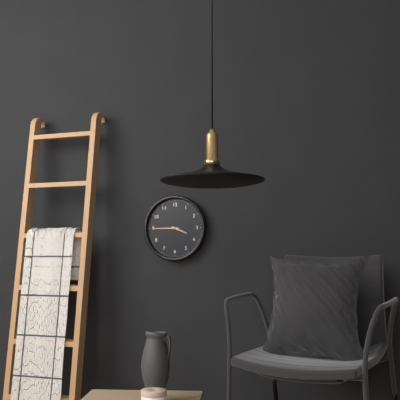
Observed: **3:45**
